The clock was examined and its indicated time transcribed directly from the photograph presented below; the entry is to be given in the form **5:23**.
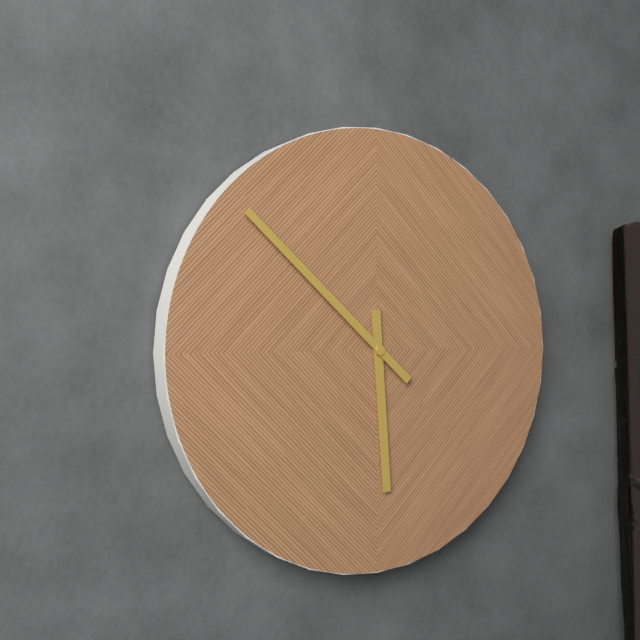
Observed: **5:52**
